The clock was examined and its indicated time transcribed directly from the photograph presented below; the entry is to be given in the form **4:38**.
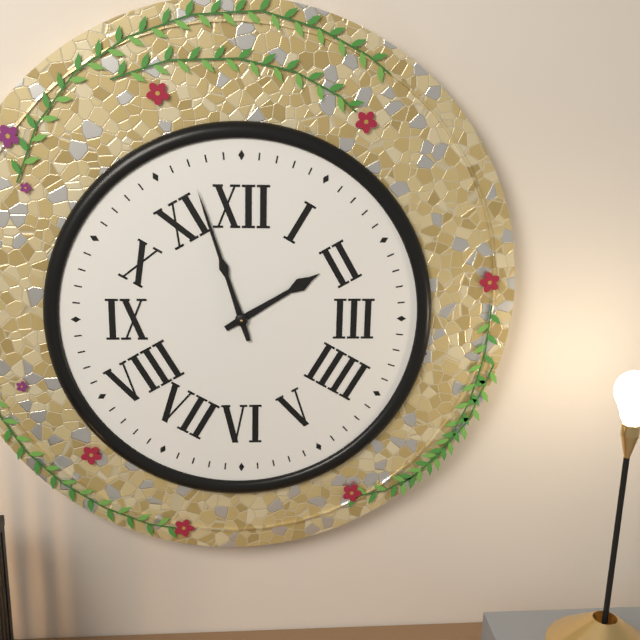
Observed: **1:57**
